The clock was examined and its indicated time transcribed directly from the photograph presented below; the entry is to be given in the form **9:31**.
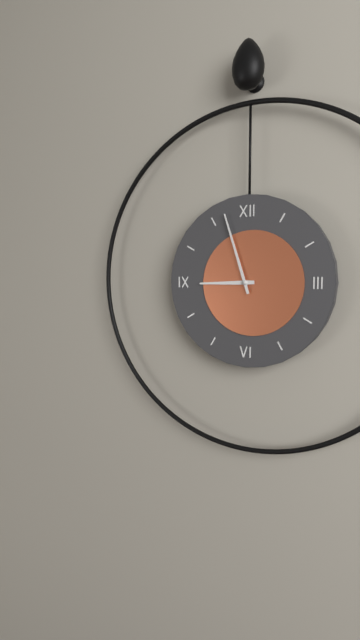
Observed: **8:57**
